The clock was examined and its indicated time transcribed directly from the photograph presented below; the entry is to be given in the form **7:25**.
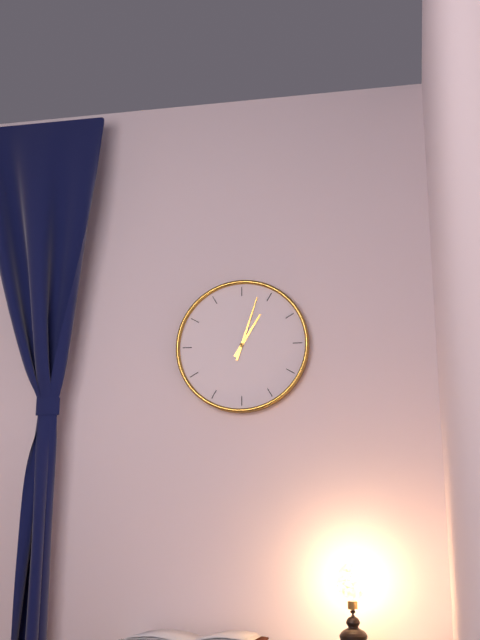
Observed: **1:03**
